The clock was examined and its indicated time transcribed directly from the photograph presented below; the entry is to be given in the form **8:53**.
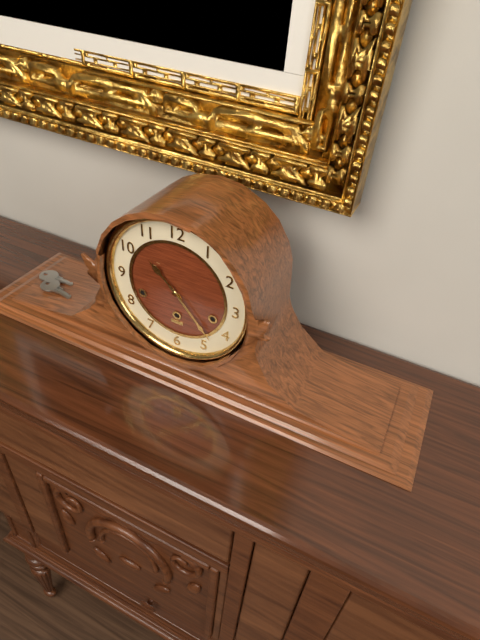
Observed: **10:23**
